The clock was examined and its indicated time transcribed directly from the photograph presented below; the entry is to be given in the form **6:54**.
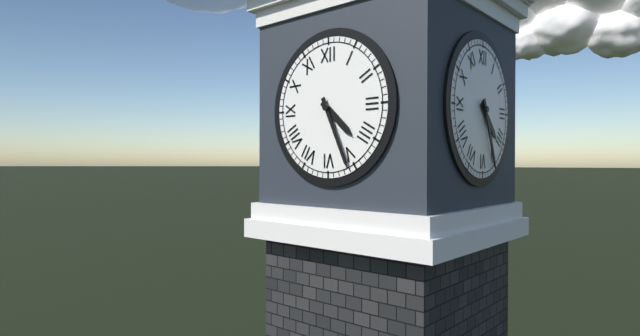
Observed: **4:26**
